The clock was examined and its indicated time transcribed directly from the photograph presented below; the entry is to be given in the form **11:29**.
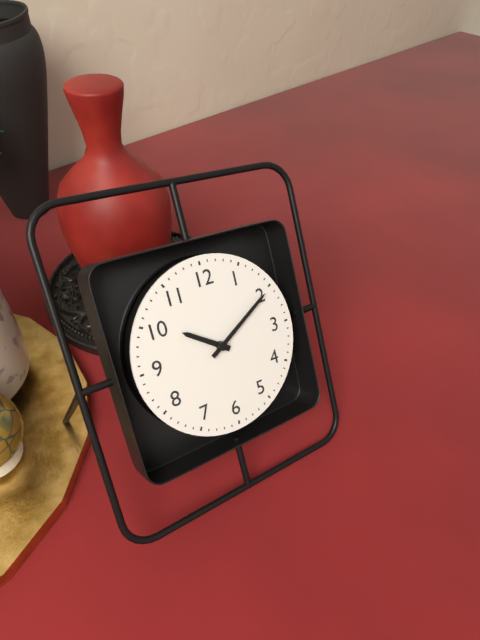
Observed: **10:10**
